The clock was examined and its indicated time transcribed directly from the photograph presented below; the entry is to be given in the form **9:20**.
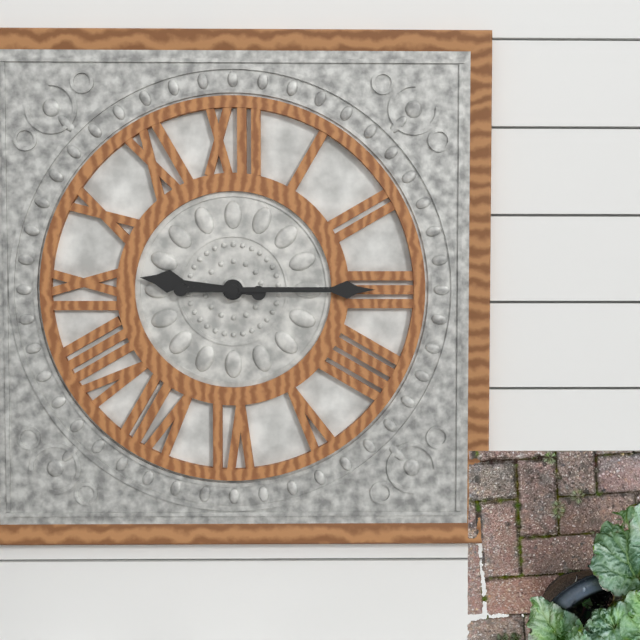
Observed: **9:15**
